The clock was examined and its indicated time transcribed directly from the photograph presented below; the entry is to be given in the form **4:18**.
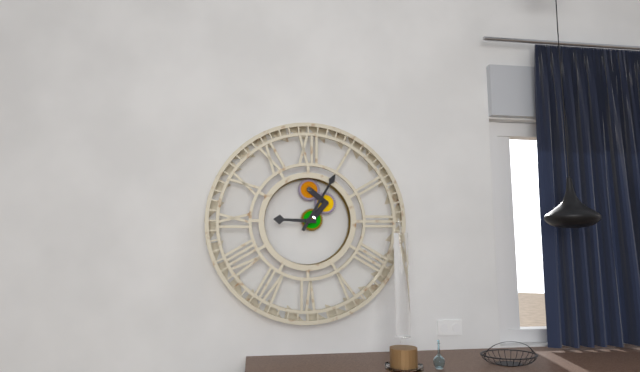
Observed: **9:05**
